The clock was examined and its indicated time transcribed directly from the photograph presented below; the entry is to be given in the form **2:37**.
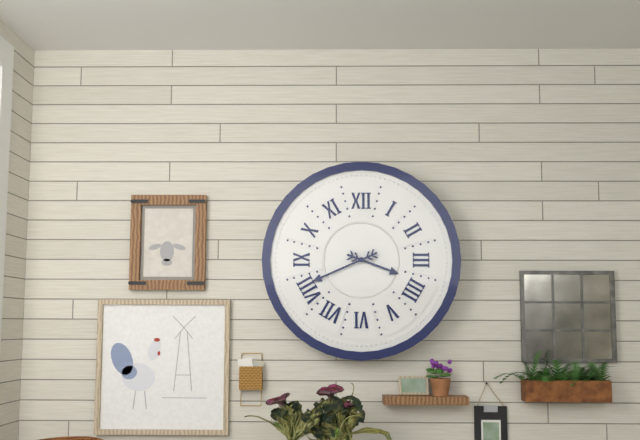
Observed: **3:41**
